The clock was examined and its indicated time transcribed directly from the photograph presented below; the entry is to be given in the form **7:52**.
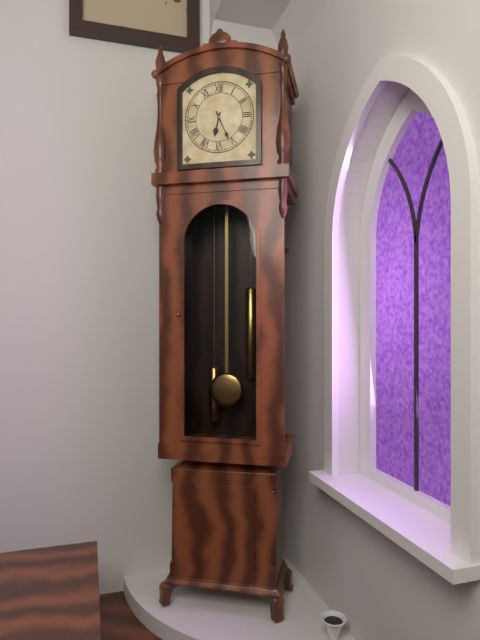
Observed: **6:26**
